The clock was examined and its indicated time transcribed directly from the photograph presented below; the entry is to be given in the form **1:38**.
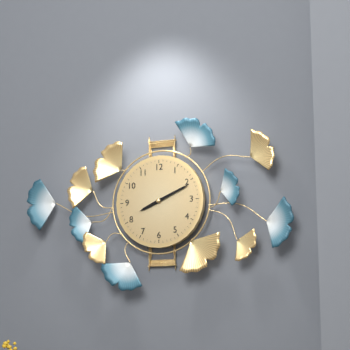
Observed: **8:11**
